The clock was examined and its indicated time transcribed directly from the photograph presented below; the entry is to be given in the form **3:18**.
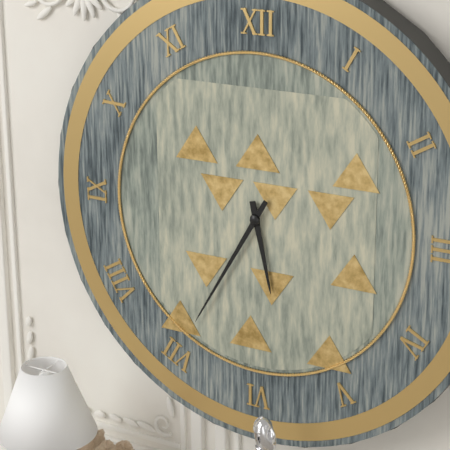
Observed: **5:35**
